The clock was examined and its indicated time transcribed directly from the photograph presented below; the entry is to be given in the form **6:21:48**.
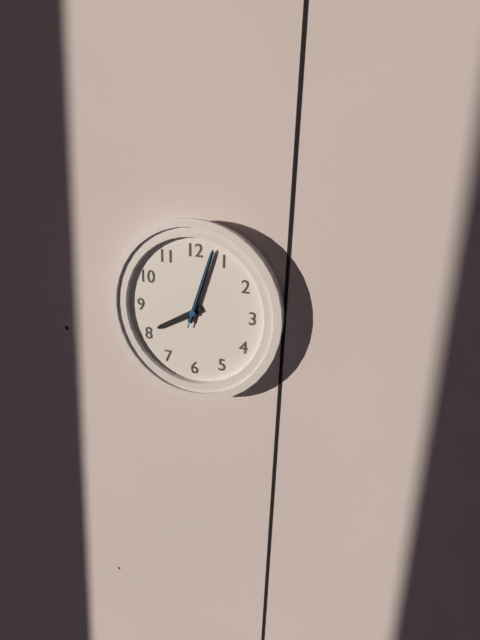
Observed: **8:03:03**
